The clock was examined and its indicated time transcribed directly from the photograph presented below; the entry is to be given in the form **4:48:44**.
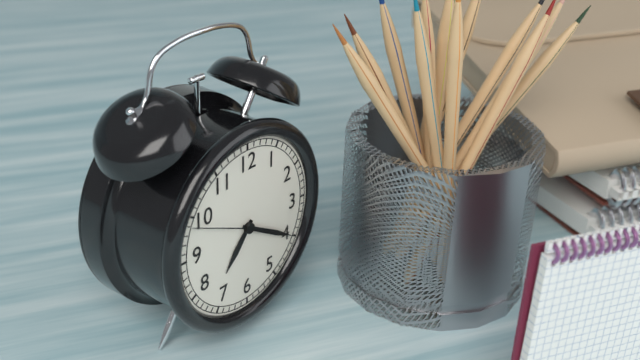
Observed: **7:20:49**
